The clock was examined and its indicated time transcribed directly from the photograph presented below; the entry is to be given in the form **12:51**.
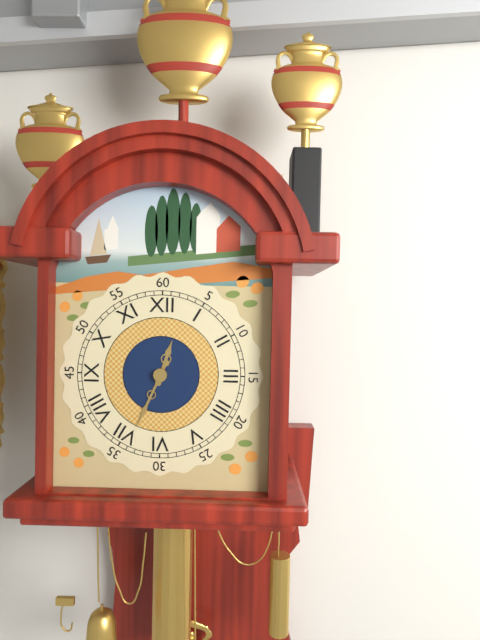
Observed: **12:34**
